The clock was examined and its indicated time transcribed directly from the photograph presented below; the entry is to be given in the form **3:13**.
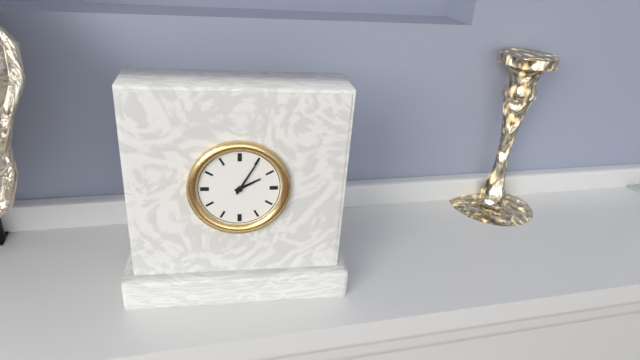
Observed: **2:05**
